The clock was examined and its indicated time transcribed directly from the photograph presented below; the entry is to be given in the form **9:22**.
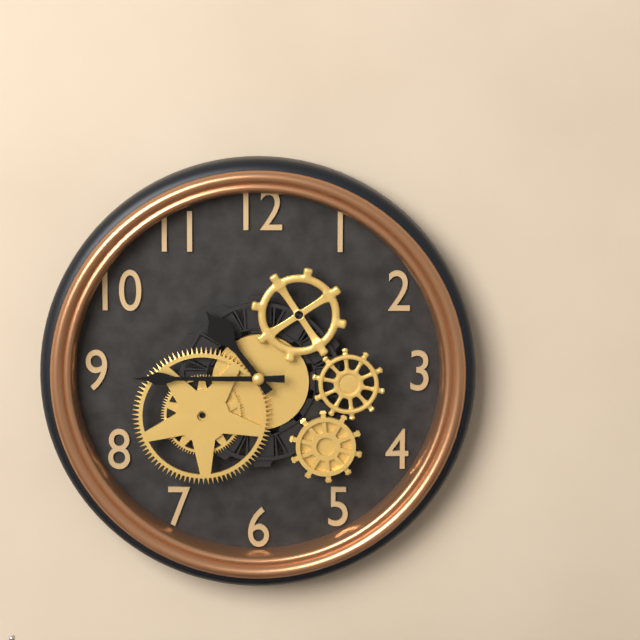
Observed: **10:45**
